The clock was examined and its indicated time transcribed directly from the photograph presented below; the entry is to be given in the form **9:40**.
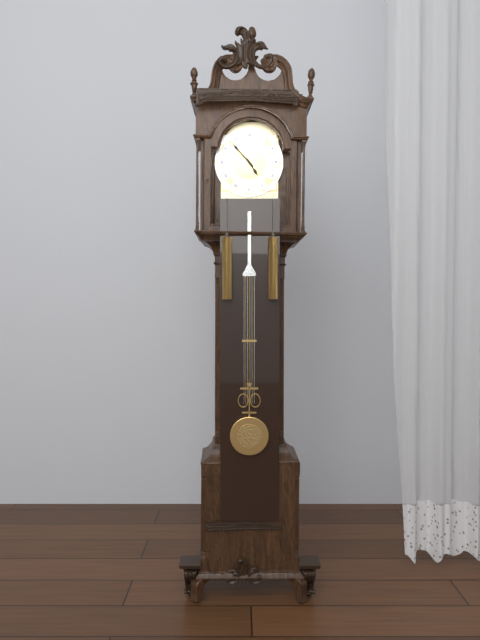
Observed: **4:53**
